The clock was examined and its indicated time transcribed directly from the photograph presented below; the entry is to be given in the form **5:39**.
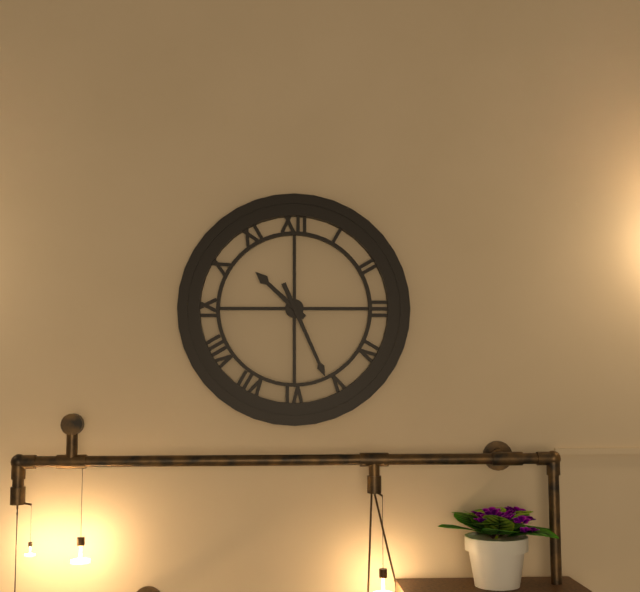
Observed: **10:26**
